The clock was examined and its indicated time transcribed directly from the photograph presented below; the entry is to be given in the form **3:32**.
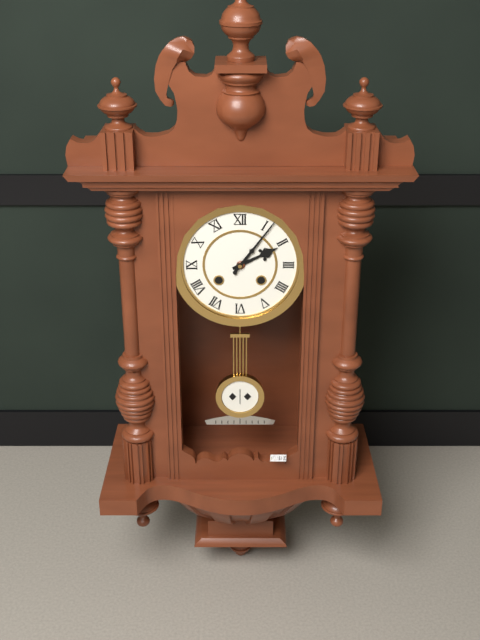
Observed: **2:06**
